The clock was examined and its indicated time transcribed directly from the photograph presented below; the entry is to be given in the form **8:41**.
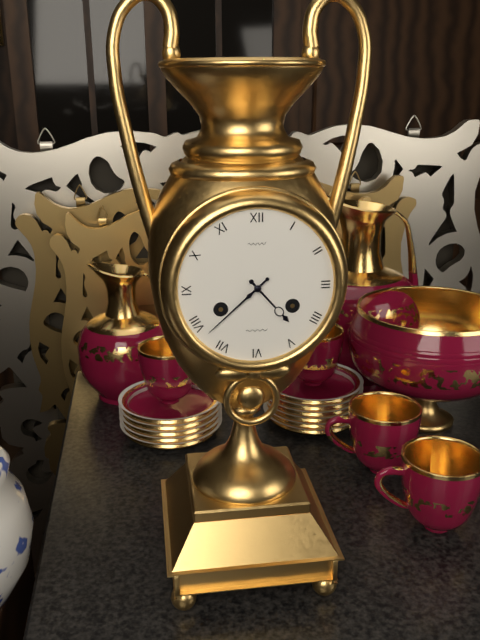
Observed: **4:38**
